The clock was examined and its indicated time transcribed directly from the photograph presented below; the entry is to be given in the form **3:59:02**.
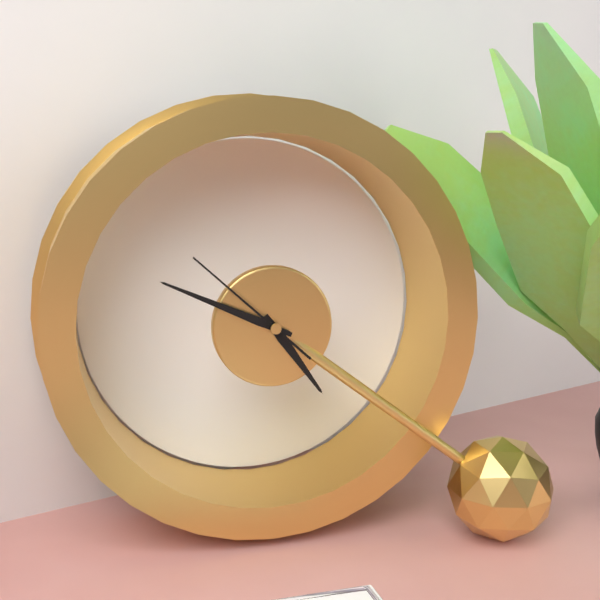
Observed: **4:49:52**
